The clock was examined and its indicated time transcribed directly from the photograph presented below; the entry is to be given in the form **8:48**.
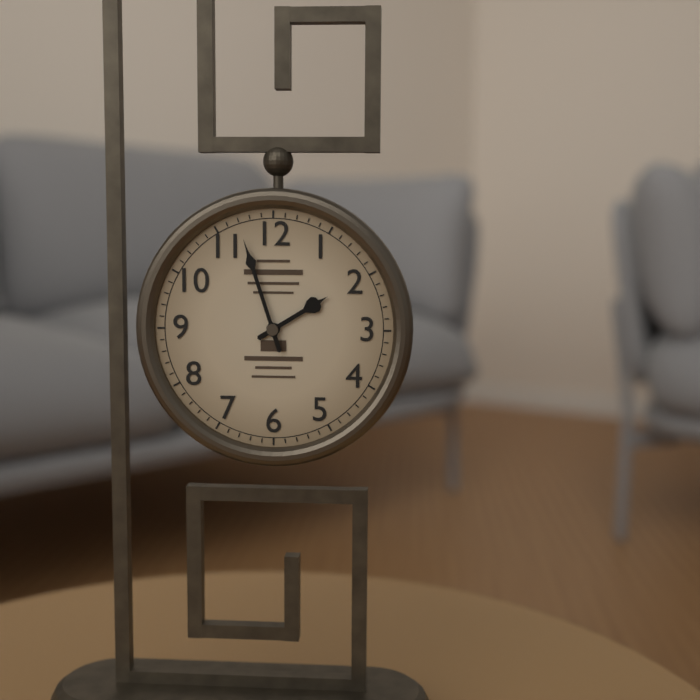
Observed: **1:57**
